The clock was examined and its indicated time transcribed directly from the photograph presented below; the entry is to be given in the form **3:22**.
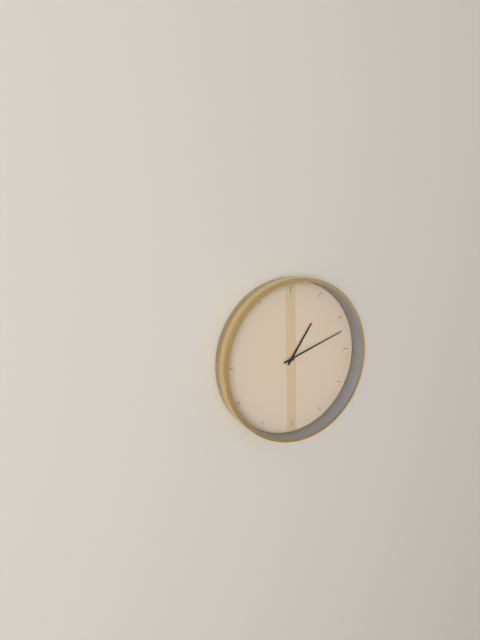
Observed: **1:12**
